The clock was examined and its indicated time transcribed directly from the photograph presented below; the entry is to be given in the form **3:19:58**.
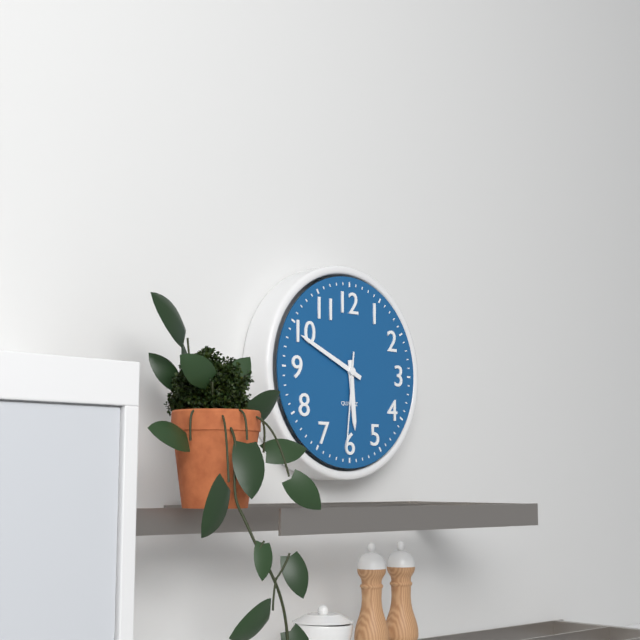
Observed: **5:49:31**
